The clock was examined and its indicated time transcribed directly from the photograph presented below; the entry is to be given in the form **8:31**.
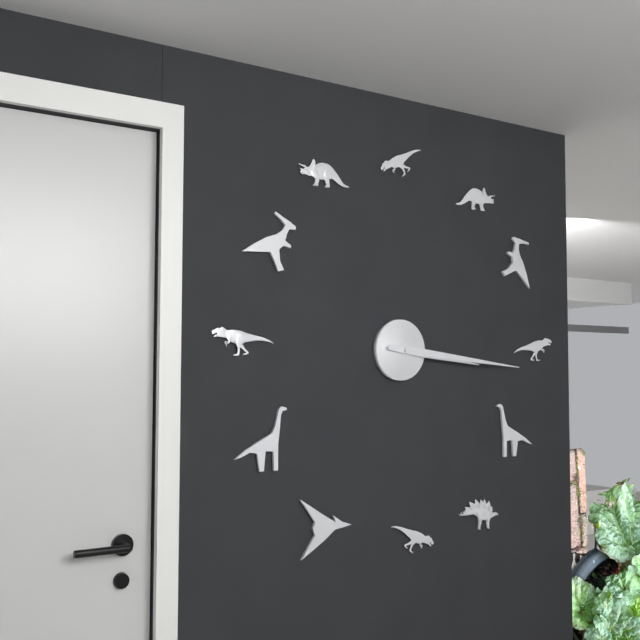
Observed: **3:16**
